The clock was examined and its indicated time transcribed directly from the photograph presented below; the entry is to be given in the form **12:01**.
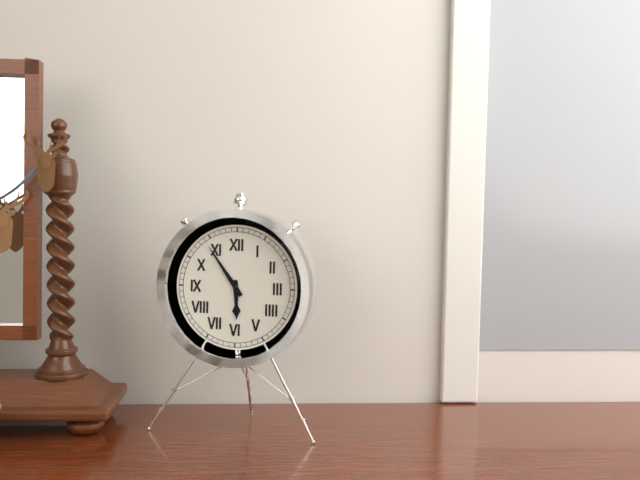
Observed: **5:54**
